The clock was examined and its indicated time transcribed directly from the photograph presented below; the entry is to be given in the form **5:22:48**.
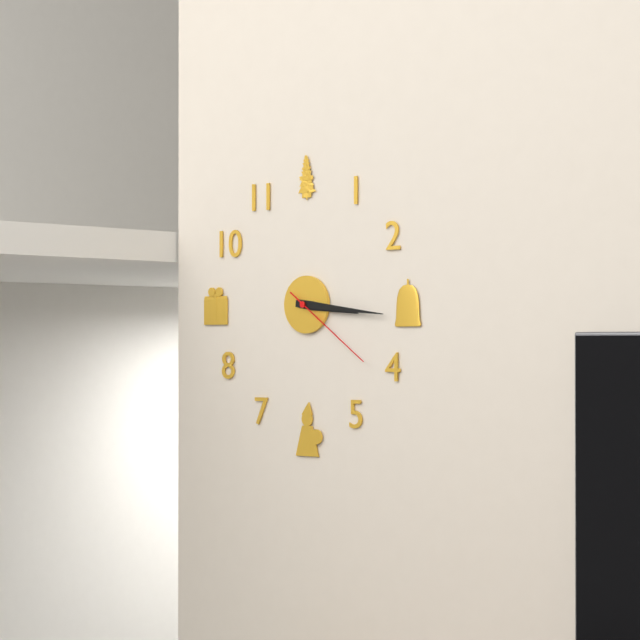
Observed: **3:16:21**
